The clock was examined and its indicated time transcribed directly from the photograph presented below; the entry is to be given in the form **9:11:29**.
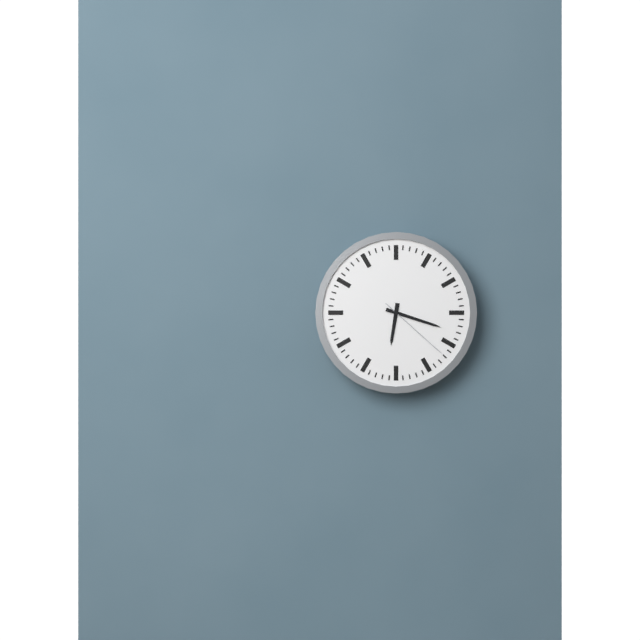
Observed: **6:18:22**
